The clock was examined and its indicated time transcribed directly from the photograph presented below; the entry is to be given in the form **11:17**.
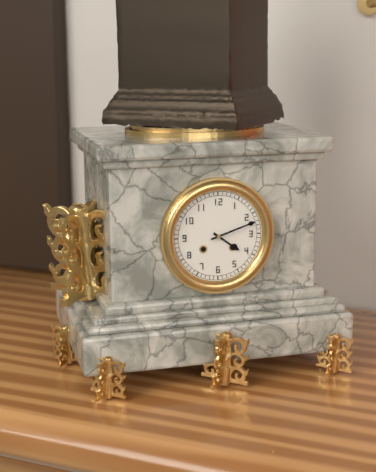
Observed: **4:12**
